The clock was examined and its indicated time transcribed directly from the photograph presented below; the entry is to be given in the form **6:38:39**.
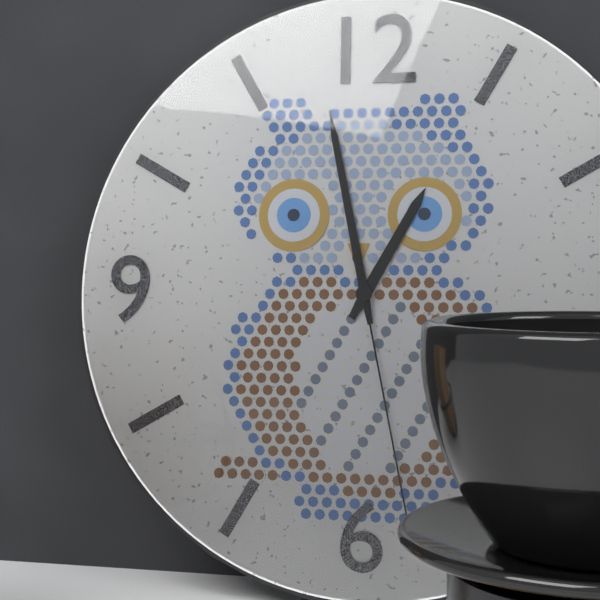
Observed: **12:58:28**
